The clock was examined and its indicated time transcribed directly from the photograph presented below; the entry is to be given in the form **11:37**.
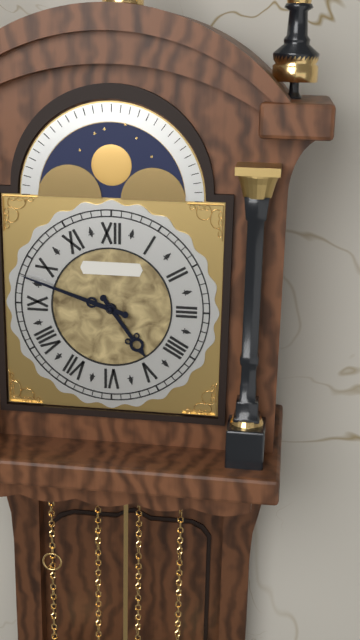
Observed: **4:48**
